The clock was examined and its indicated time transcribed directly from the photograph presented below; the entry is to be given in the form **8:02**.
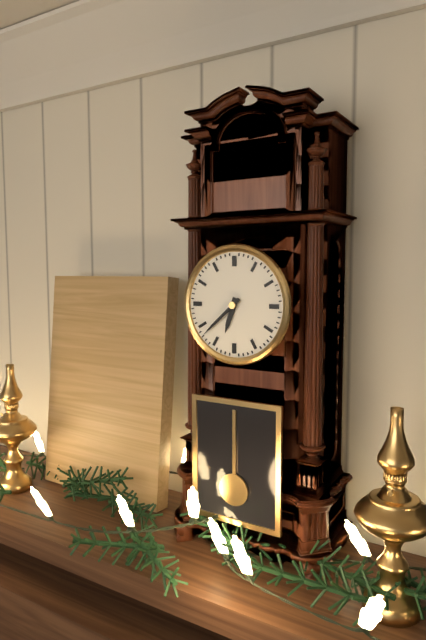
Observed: **6:38**
